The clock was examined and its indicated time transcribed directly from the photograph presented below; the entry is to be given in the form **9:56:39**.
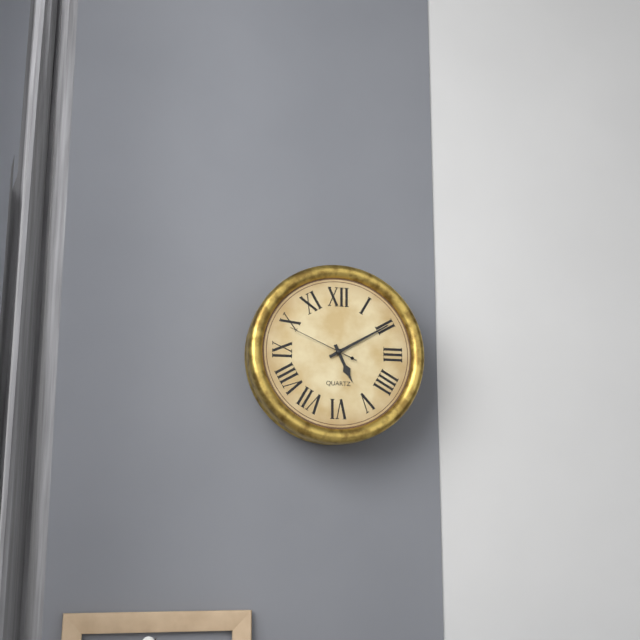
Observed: **5:10:49**
